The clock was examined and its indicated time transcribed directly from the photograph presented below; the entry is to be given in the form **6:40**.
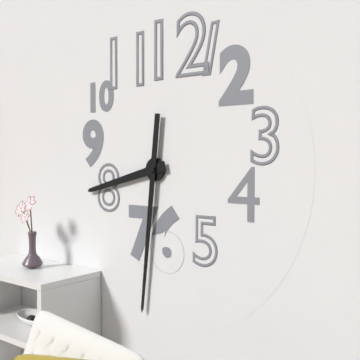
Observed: **8:31**
